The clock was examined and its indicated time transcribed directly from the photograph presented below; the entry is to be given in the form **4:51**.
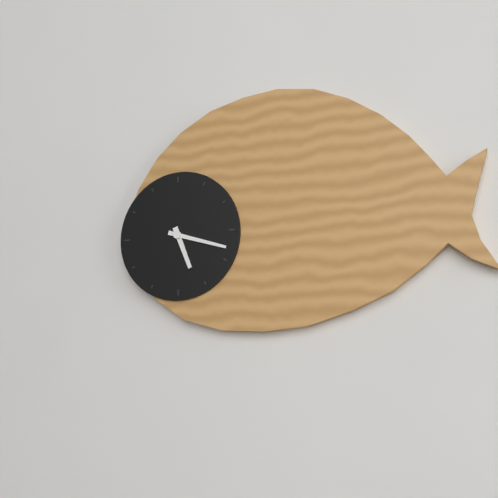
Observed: **5:18**
